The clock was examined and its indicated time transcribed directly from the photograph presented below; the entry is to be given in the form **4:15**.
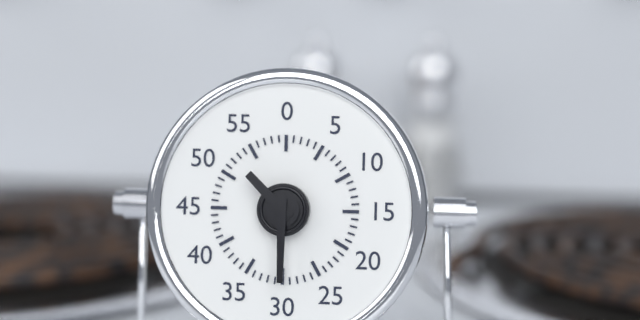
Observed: **10:30**
